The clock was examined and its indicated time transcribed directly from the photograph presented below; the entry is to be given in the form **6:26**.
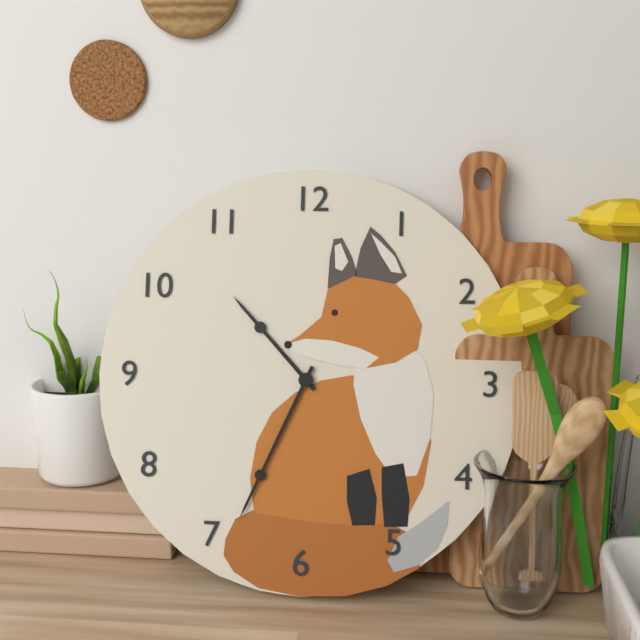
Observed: **10:34**
